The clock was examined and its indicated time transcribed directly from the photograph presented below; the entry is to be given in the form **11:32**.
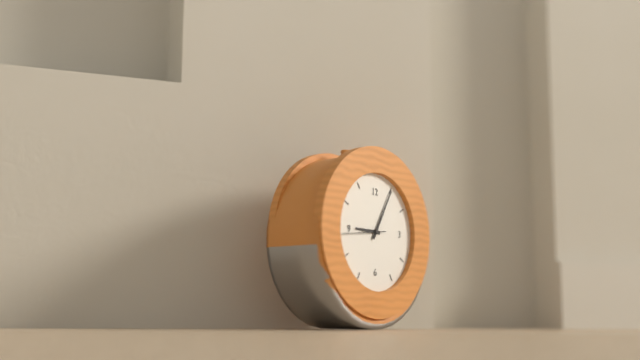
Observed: **9:05**
